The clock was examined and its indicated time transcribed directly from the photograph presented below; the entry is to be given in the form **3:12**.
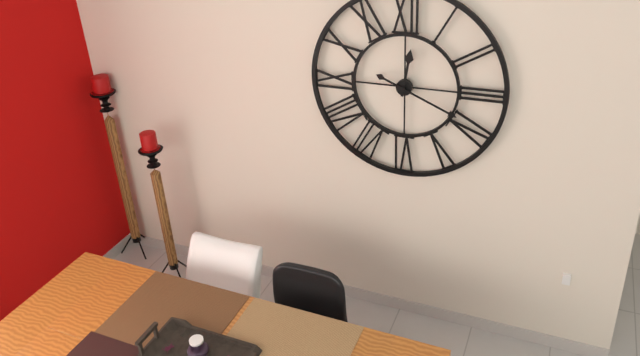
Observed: **12:19**
